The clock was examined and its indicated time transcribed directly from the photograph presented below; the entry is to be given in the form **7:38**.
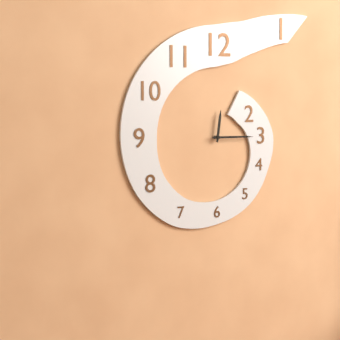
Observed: **12:15**
